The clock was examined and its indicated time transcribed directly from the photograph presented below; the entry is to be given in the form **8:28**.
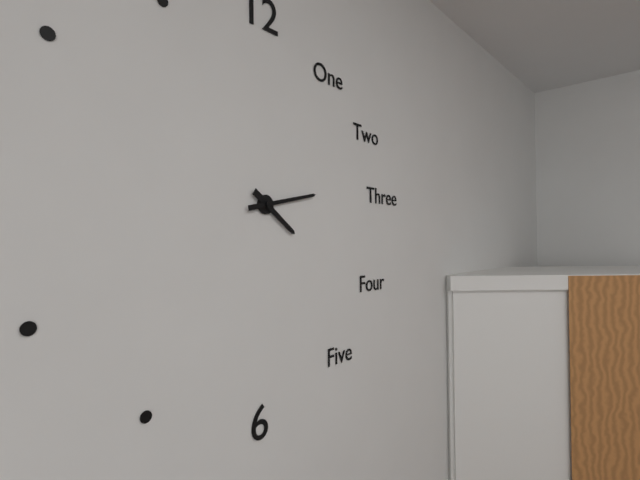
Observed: **4:13**
